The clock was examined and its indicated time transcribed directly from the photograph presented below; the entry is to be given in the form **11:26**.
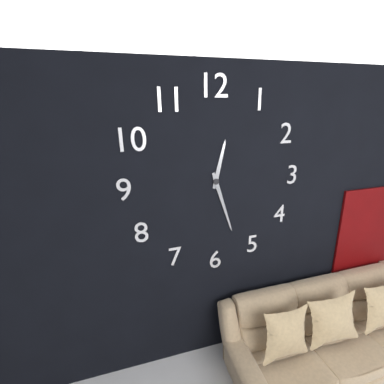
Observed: **12:27**
